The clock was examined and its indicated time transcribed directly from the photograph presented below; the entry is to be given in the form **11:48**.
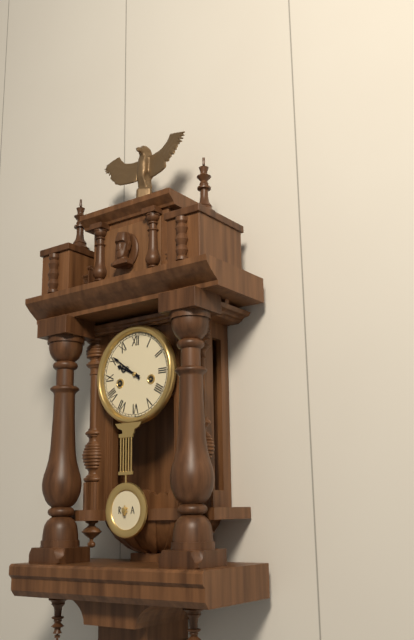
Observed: **9:51**
